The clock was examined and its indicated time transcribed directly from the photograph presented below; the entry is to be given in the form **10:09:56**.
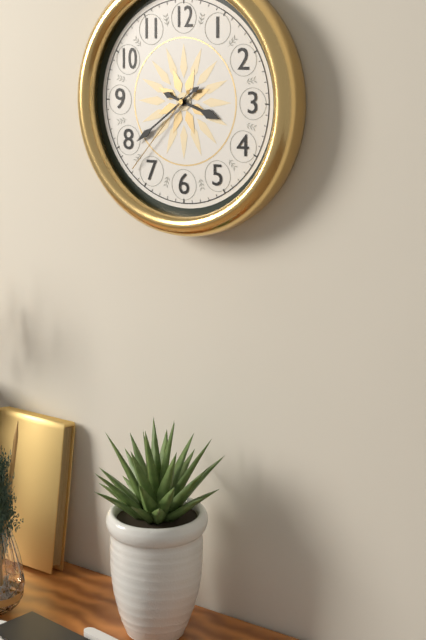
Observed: **3:39:37**
